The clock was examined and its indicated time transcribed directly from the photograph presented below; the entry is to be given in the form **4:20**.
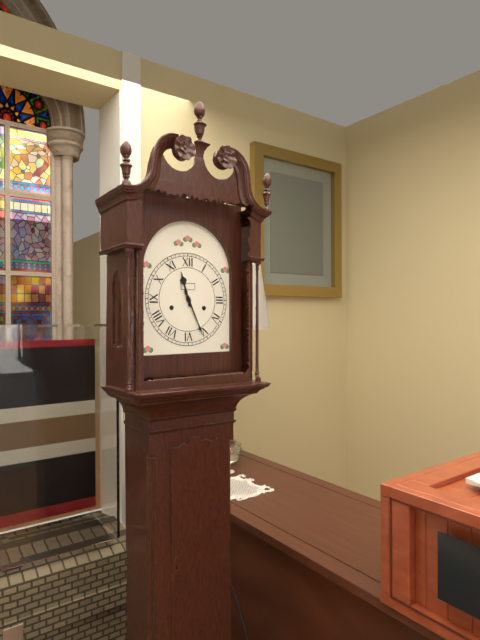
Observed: **11:26**
